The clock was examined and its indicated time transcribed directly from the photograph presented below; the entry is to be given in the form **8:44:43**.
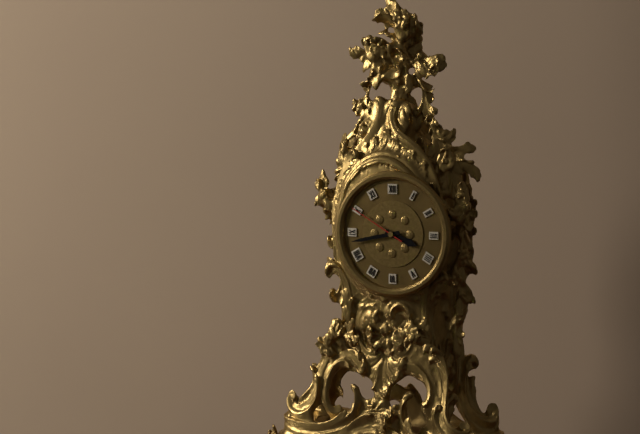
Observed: **3:43:50**
